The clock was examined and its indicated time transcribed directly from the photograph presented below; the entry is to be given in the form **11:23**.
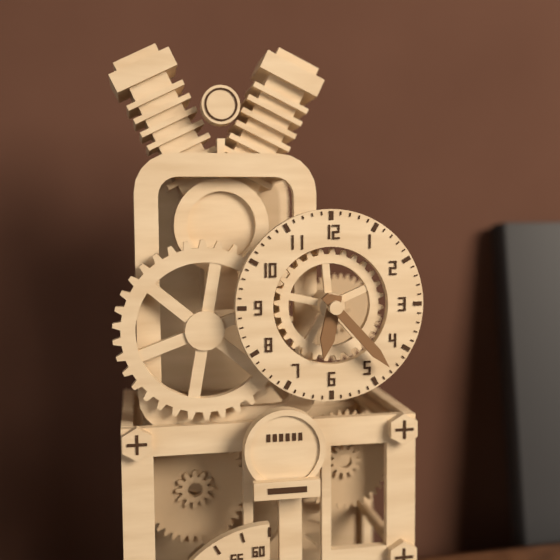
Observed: **6:23**
